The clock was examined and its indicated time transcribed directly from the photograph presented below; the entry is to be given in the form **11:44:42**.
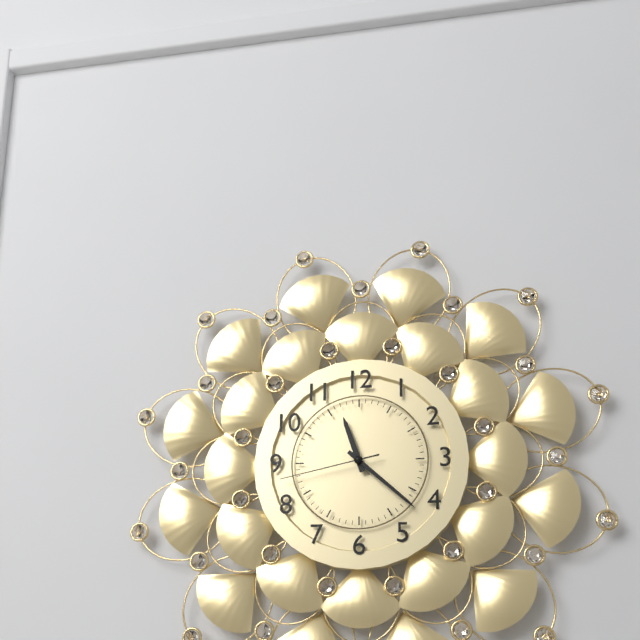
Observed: **11:22:43**
